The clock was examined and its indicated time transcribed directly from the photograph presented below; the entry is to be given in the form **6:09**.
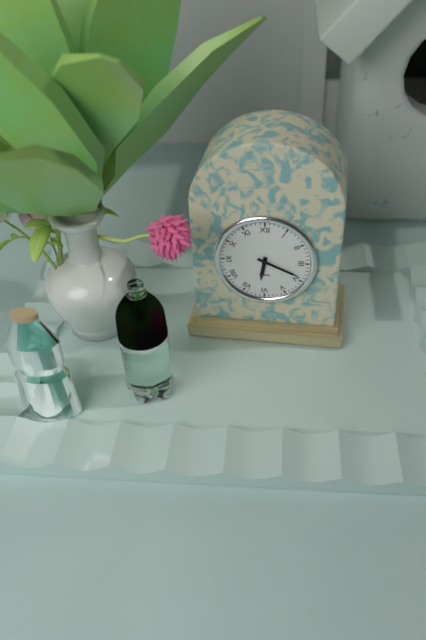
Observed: **6:19**
